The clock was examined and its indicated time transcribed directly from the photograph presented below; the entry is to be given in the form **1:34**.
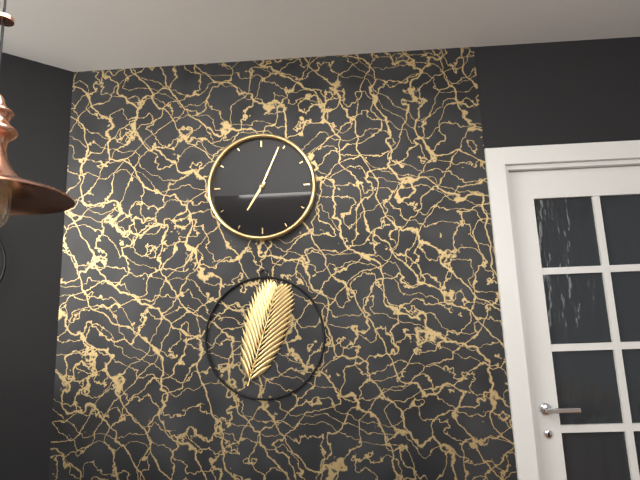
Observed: **7:04**
